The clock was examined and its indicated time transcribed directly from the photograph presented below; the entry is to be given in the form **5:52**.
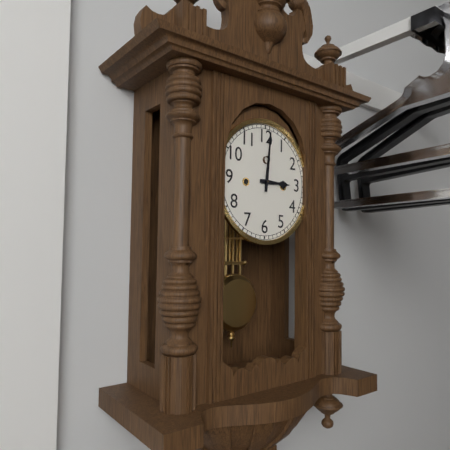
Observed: **3:01**
